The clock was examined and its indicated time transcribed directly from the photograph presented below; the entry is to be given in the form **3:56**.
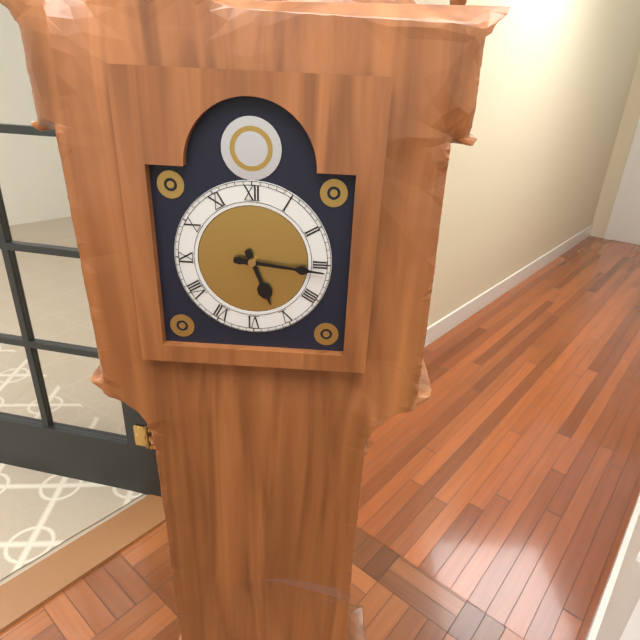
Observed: **5:16**
